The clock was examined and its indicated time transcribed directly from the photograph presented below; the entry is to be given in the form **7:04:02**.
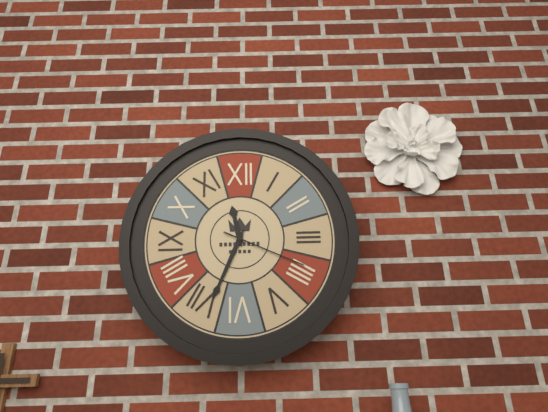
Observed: **11:34:19**
